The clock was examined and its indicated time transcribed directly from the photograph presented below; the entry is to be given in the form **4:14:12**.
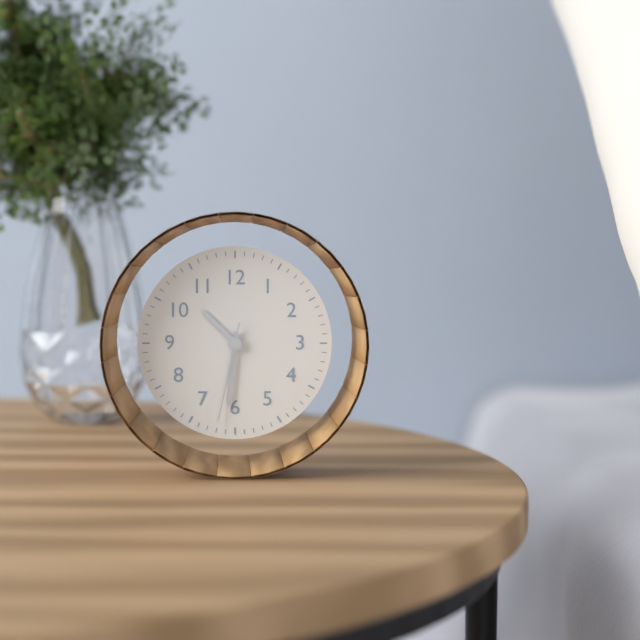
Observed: **10:31:32**
